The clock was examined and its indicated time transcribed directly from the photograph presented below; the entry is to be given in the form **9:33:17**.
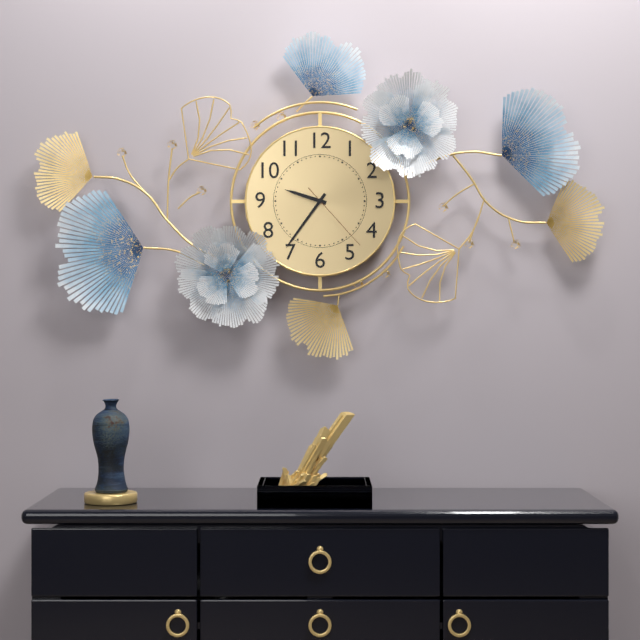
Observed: **9:36:23**
